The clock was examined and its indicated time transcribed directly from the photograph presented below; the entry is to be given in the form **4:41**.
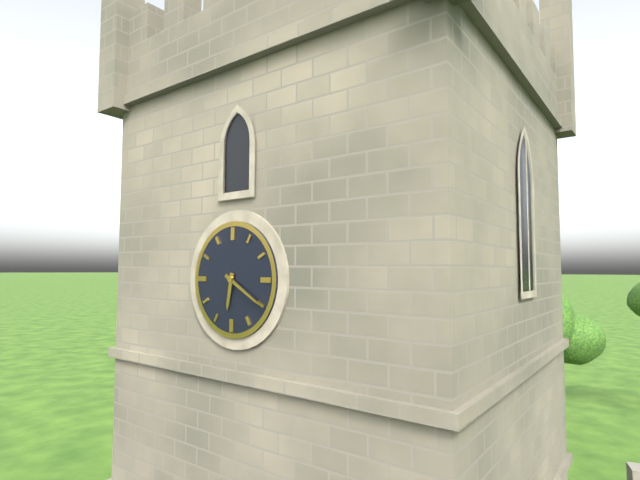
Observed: **6:20**
